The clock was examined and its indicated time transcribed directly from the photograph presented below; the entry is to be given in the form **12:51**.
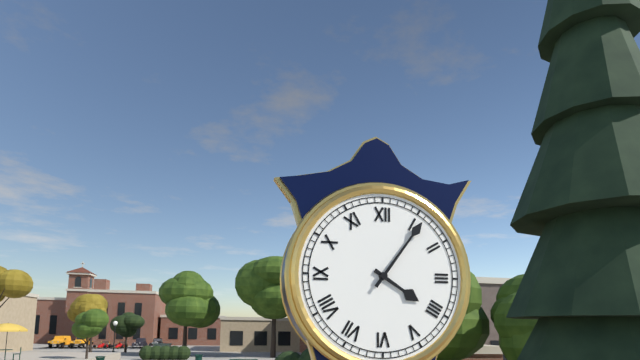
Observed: **4:06**
